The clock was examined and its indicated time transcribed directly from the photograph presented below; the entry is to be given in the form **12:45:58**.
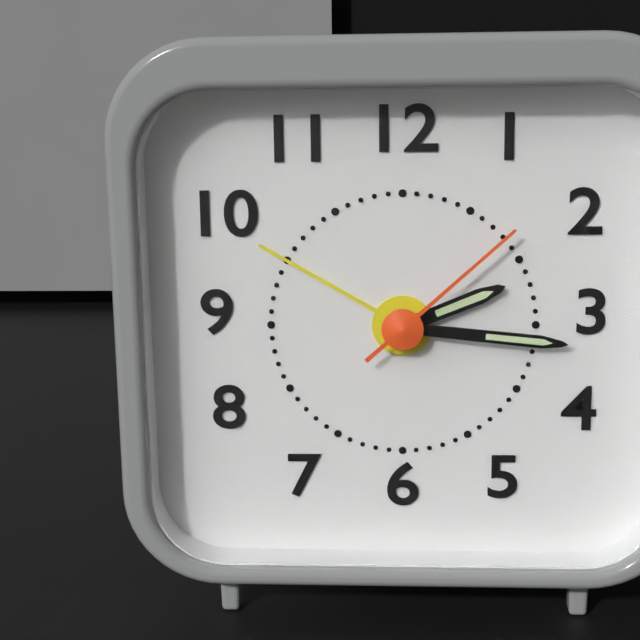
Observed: **2:16:08**
